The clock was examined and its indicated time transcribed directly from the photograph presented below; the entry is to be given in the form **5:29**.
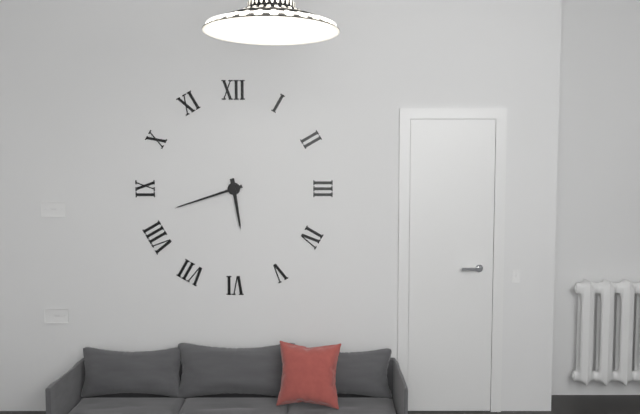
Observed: **5:42**
